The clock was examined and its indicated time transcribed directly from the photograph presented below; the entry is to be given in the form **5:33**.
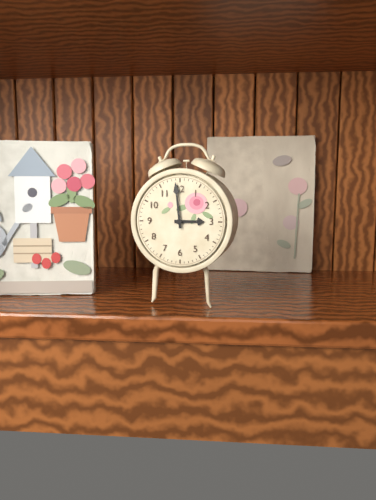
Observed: **2:59**
